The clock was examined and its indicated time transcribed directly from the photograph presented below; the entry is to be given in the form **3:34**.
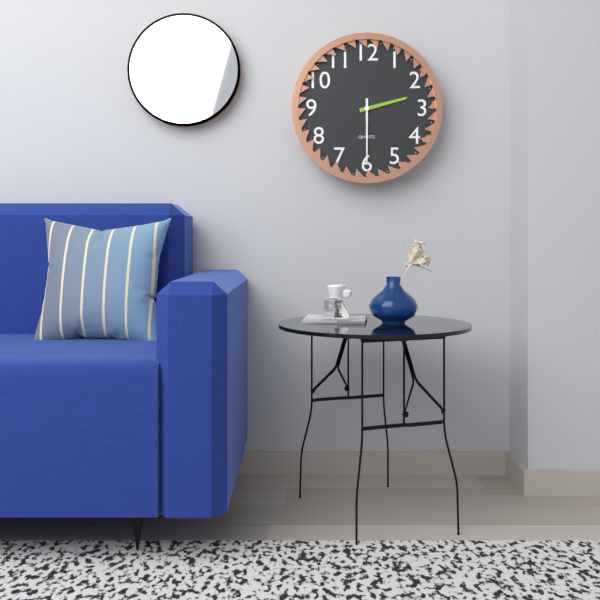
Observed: **2:30**
